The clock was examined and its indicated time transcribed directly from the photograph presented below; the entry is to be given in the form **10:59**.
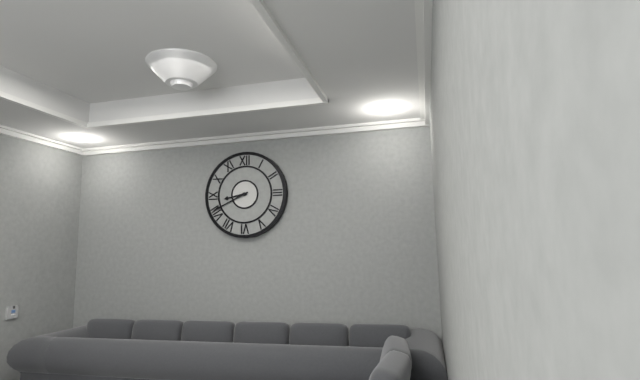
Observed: **8:41**
